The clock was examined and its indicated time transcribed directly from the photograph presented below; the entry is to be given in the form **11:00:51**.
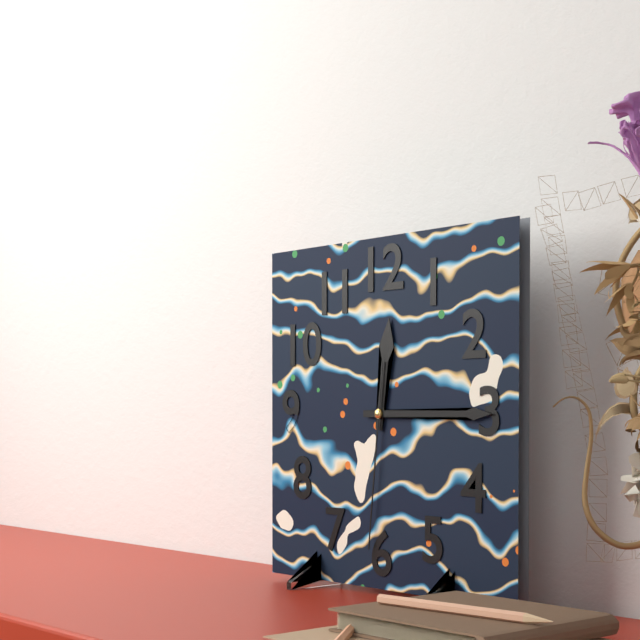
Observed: **12:15:31**
